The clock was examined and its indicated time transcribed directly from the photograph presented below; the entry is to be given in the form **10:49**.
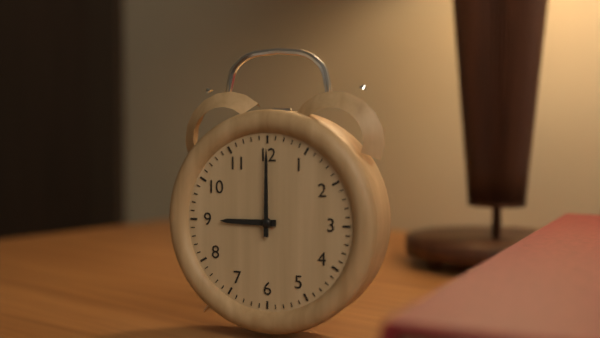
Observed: **9:00**
